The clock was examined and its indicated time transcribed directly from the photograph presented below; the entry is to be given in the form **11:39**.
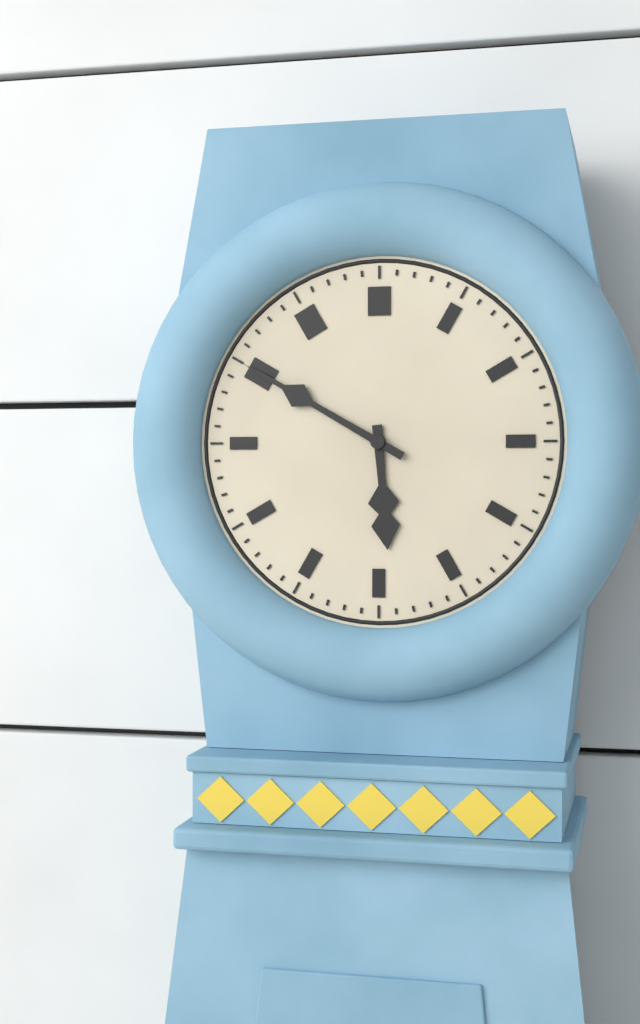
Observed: **5:50**
